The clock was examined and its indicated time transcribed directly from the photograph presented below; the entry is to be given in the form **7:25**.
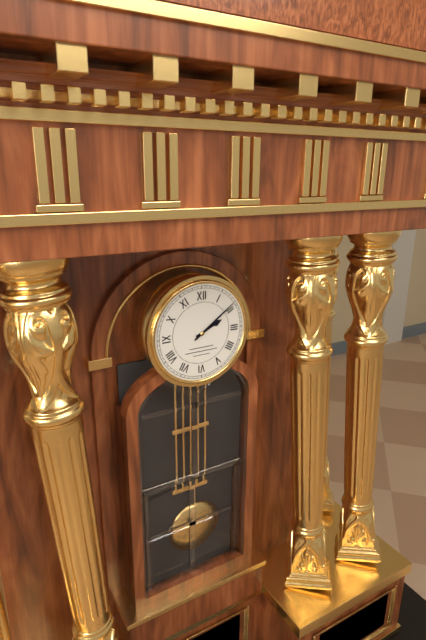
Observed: **2:09**
